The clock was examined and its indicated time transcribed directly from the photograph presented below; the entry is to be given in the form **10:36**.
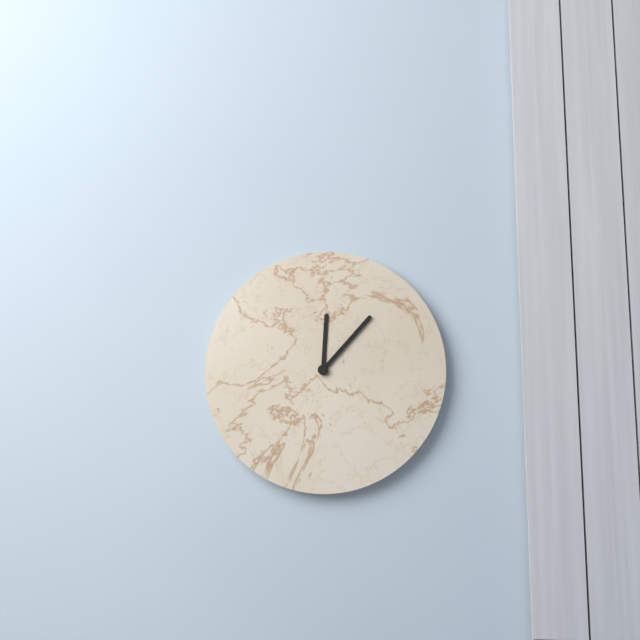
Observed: **12:07**
